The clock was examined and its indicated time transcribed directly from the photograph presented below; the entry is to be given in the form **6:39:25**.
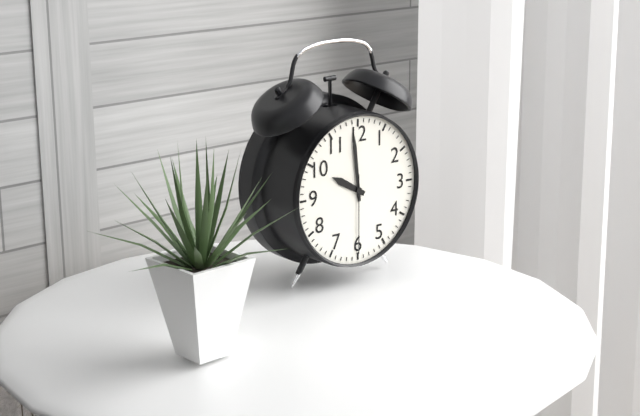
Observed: **9:59:30**
